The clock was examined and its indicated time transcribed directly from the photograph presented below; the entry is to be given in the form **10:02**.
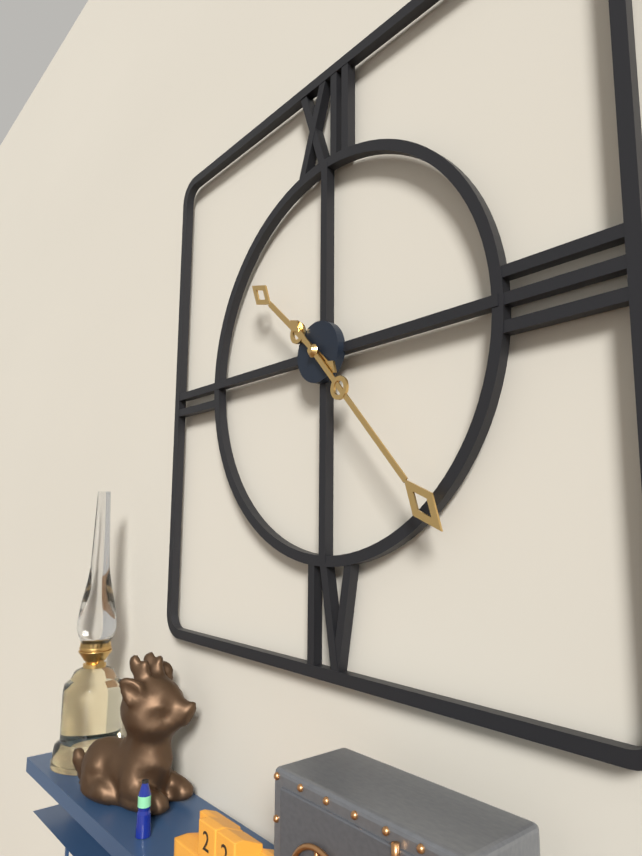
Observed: **10:23**
